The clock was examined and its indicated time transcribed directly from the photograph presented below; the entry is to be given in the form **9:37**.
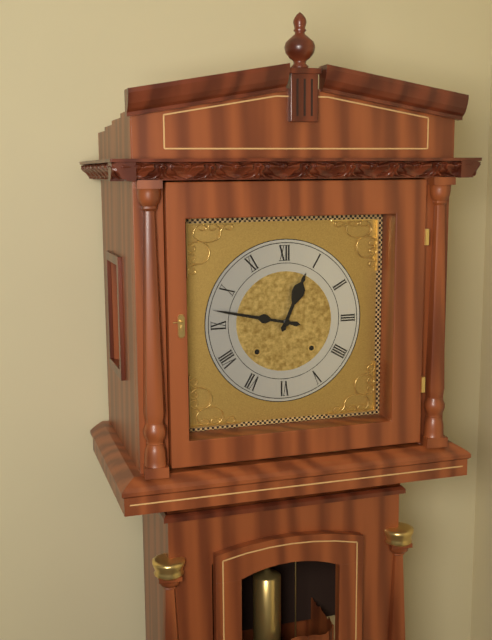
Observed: **12:47**
